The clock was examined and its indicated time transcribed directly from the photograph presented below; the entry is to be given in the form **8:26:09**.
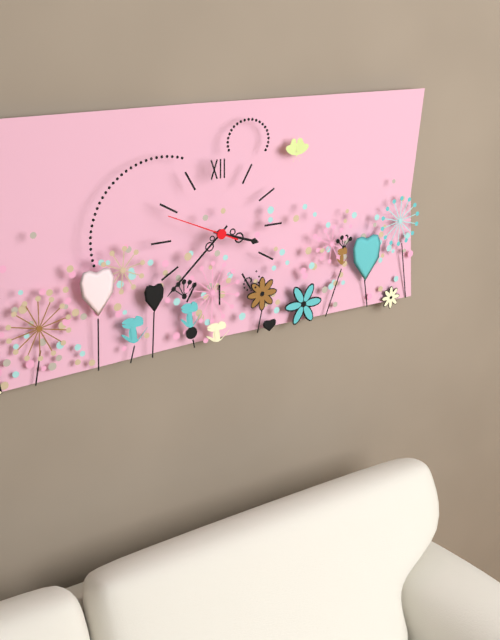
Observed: **3:38:49**
